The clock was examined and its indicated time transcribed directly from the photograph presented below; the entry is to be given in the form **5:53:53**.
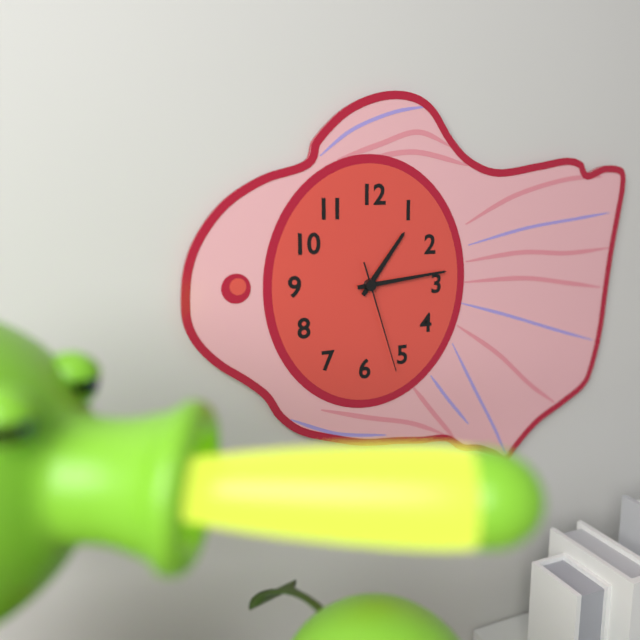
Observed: **1:14:27**
